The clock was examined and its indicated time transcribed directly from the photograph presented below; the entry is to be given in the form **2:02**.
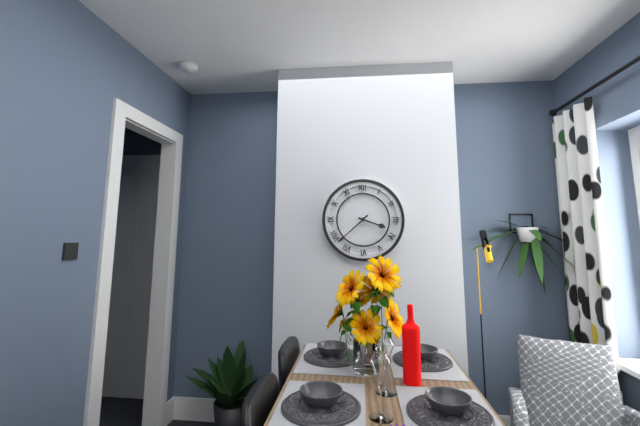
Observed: **3:38**
